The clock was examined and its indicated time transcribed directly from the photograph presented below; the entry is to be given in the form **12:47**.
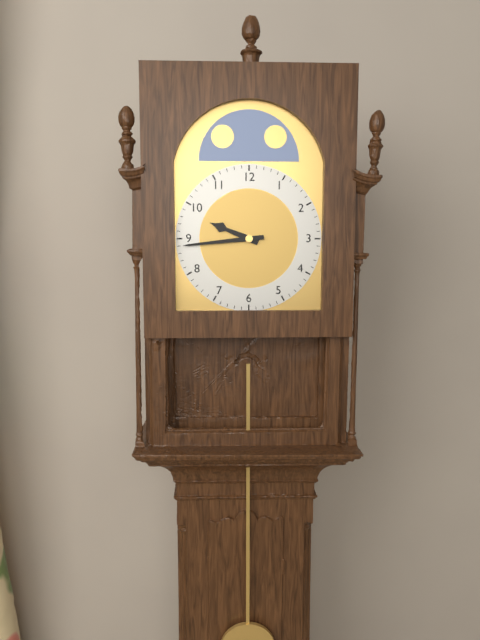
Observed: **9:44**
